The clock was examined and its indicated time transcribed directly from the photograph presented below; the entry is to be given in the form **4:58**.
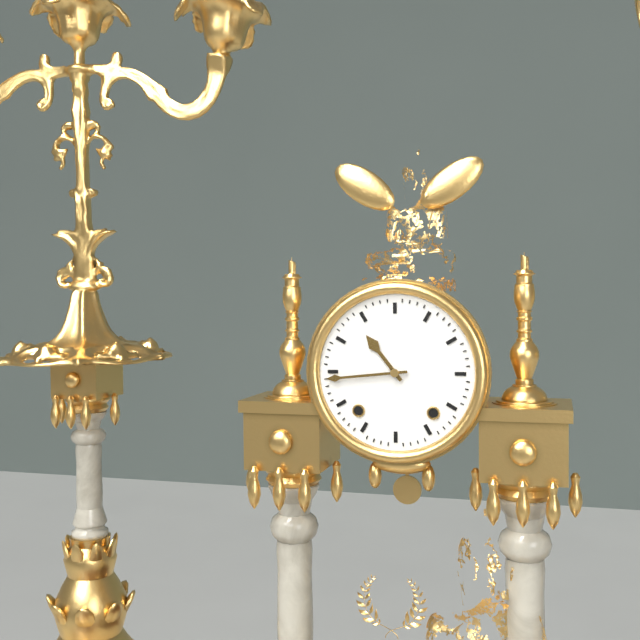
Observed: **10:44**
